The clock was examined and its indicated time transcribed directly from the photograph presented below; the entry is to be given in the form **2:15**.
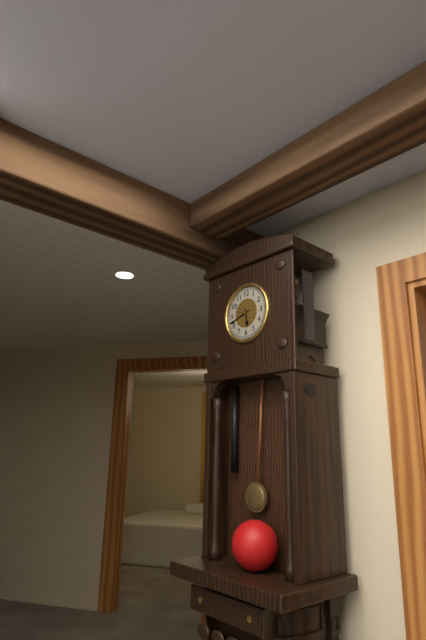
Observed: **5:42**
